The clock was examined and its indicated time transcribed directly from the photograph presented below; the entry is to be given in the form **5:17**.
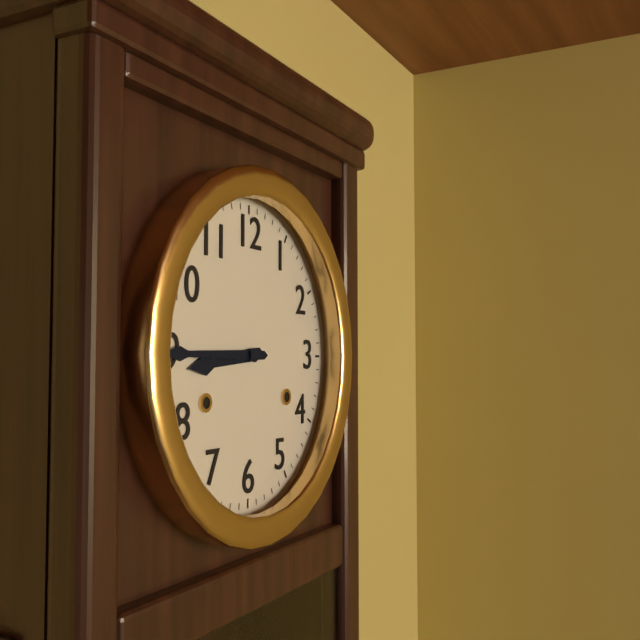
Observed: **8:45**
